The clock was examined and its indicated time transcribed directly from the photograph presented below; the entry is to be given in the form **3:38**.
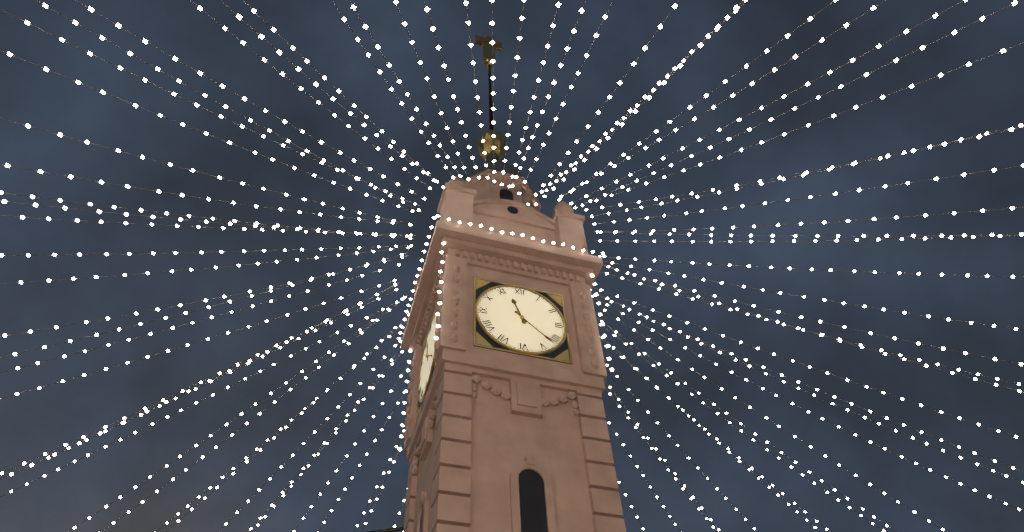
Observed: **11:22**
